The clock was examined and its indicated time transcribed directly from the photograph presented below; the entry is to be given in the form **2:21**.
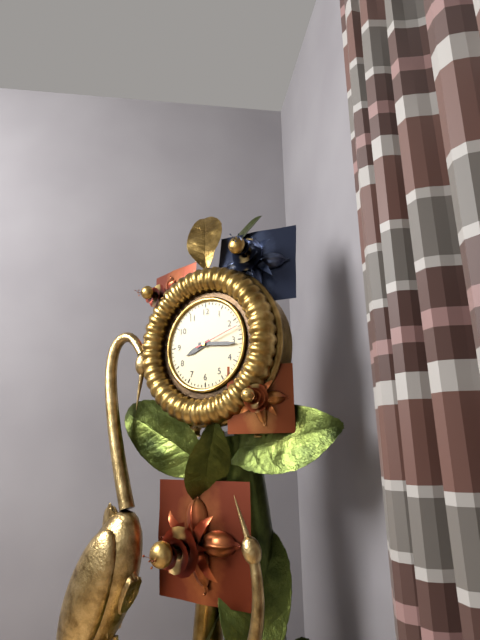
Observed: **8:16**
